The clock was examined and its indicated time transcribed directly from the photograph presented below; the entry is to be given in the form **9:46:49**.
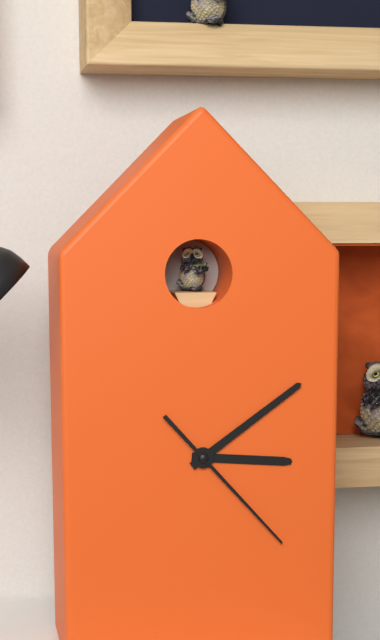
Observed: **3:09:23**
